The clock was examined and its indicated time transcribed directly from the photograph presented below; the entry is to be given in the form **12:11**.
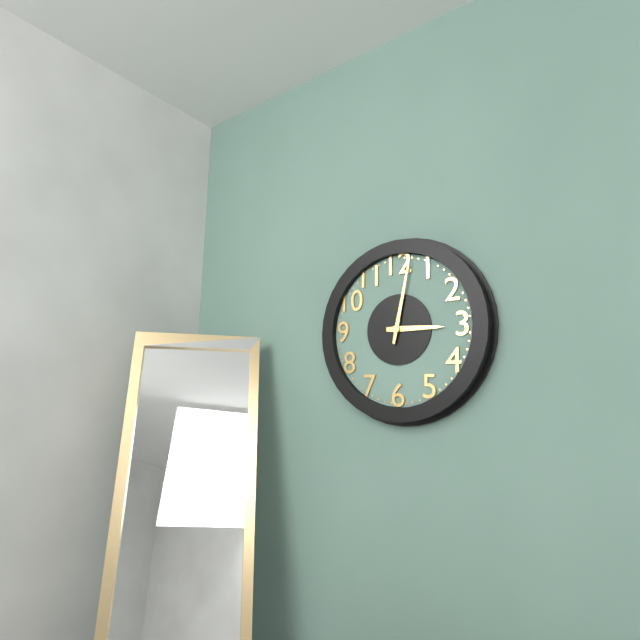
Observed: **3:02**
